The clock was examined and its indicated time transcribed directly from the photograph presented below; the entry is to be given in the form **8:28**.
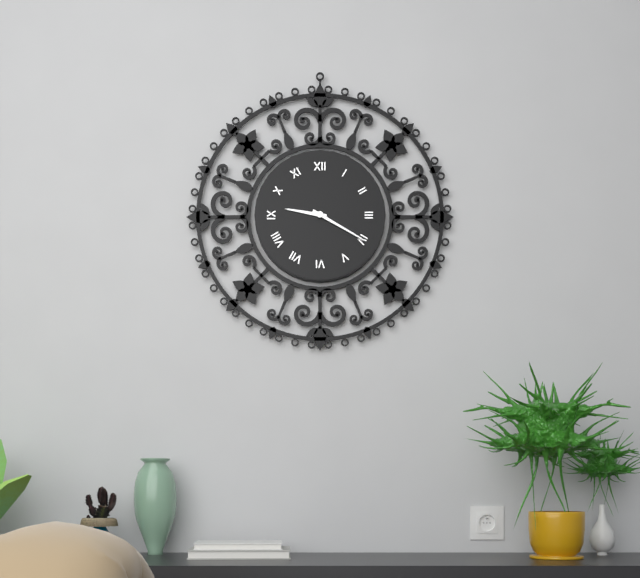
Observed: **9:20**
